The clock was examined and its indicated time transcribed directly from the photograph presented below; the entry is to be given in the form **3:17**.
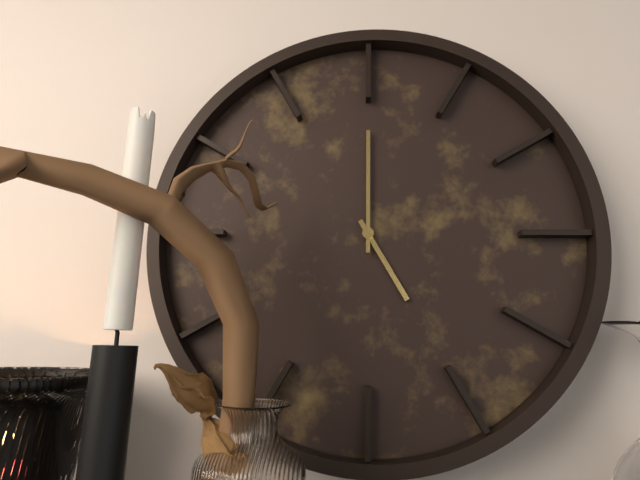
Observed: **5:00**
